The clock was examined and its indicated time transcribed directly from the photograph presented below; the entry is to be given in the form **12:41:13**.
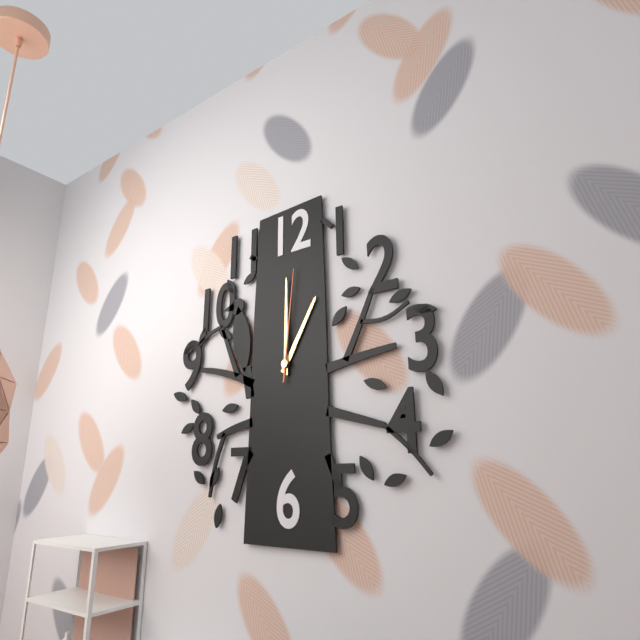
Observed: **1:00:01**
